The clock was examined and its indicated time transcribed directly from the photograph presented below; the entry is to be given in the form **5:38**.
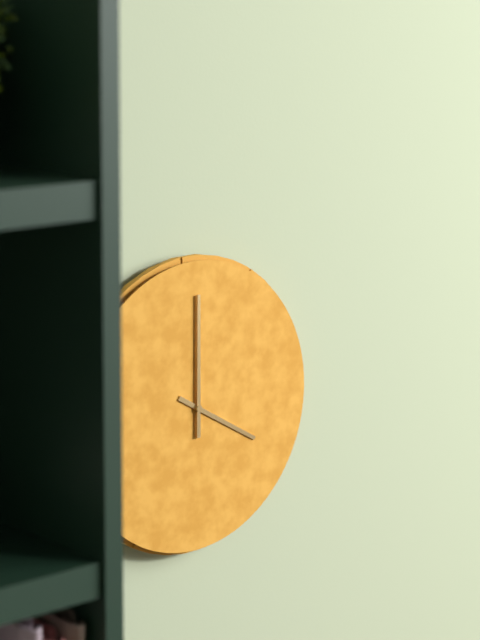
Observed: **4:00**
